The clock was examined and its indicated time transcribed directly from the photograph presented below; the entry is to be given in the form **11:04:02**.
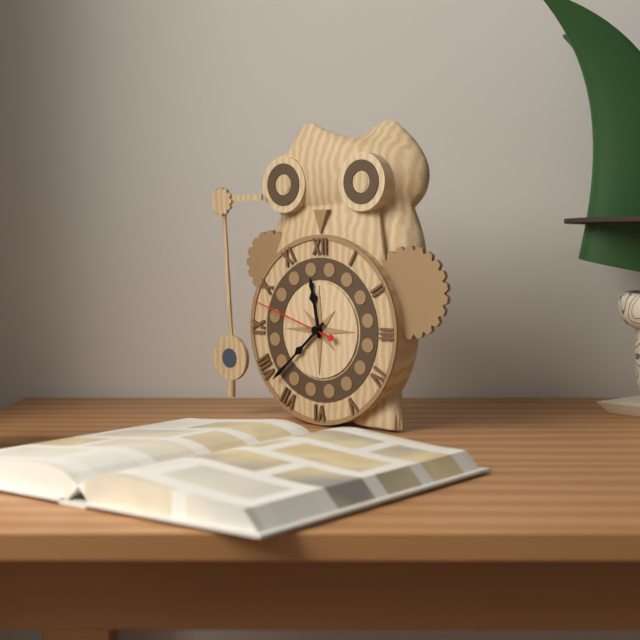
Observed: **11:38:48**
